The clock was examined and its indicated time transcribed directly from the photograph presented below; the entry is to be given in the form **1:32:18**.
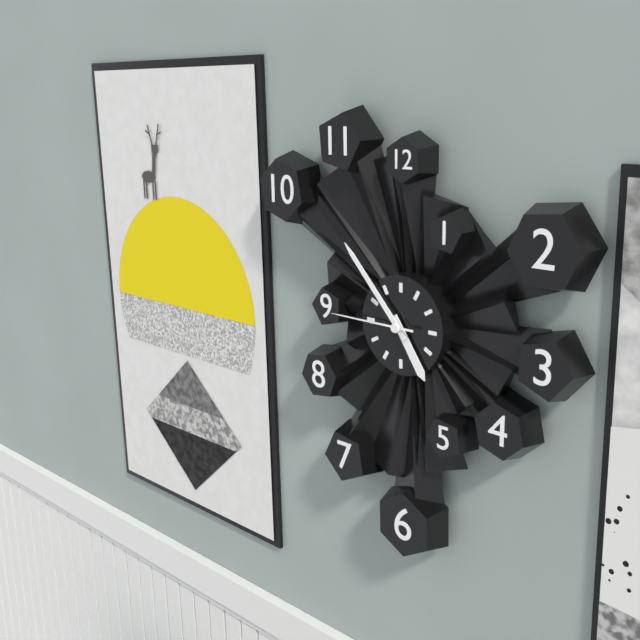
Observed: **4:53:45**
